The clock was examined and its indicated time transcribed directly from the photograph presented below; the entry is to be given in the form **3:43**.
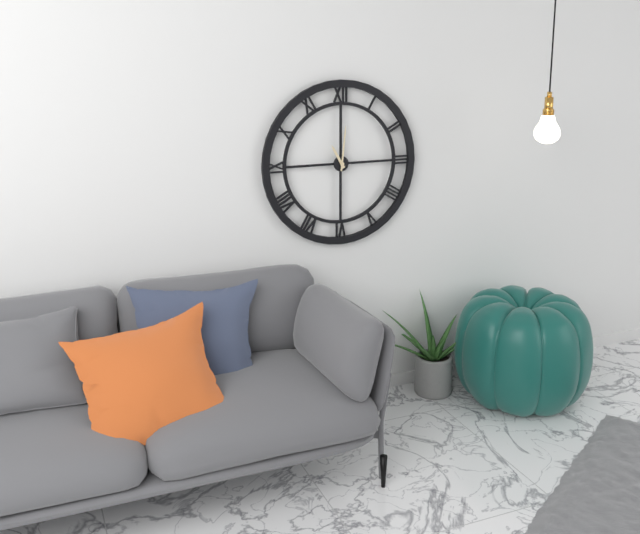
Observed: **11:01**
